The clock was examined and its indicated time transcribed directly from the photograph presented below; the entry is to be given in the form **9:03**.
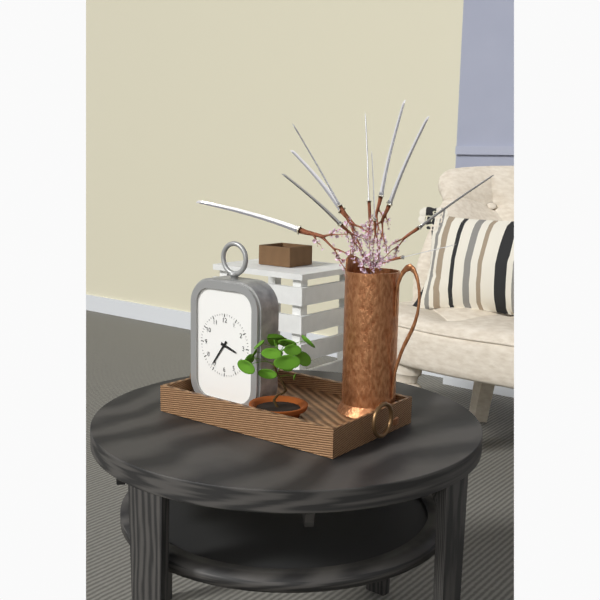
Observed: **3:36**
